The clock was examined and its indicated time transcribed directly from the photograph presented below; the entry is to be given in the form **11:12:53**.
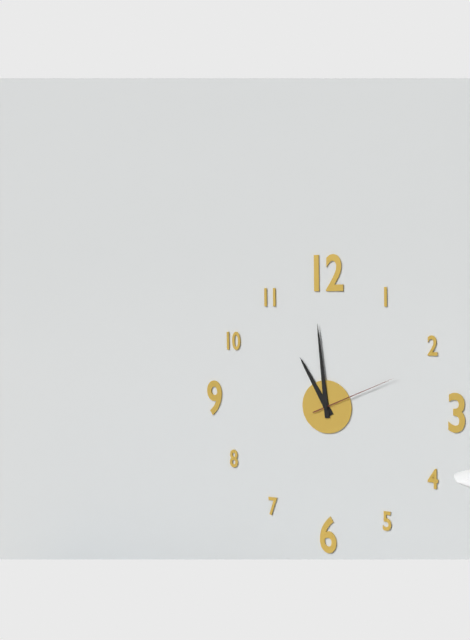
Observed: **10:59:11**
